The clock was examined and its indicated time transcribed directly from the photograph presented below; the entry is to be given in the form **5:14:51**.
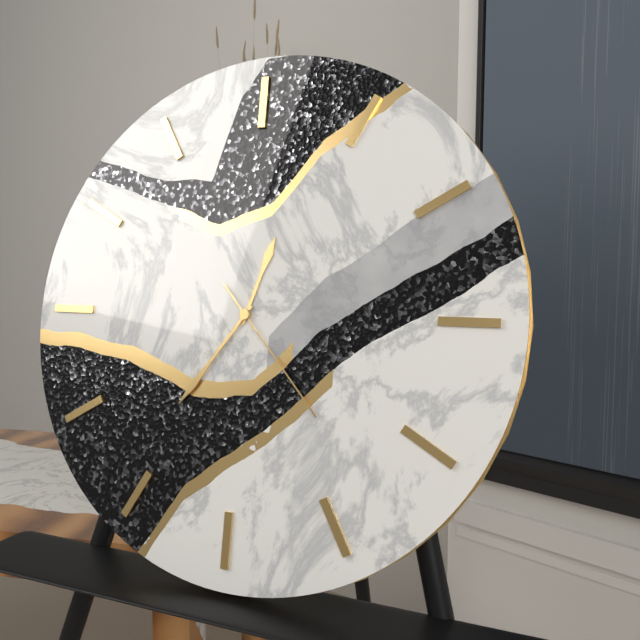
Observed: **12:36:23**
